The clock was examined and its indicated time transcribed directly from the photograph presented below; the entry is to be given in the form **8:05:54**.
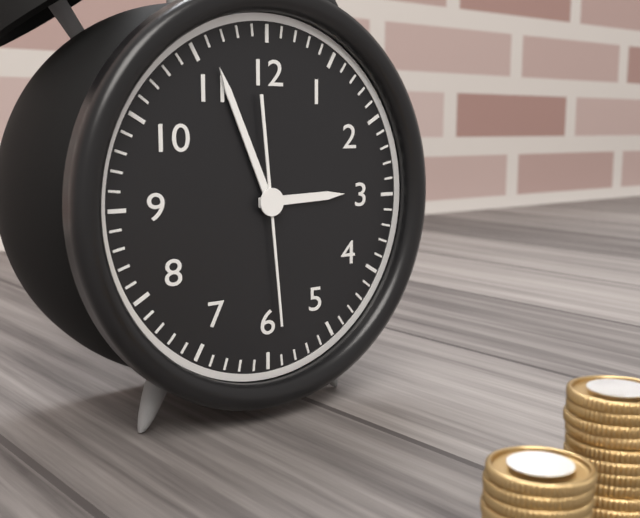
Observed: **2:56:29**
